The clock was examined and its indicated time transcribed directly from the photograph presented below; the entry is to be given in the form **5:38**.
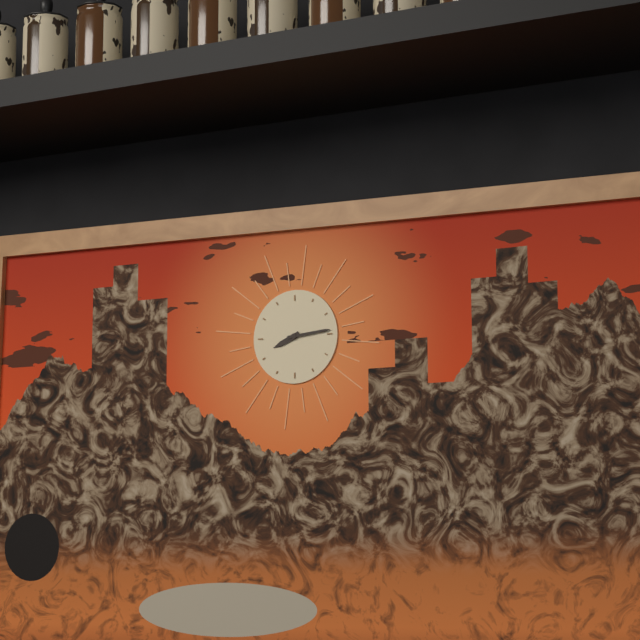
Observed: **8:14**
